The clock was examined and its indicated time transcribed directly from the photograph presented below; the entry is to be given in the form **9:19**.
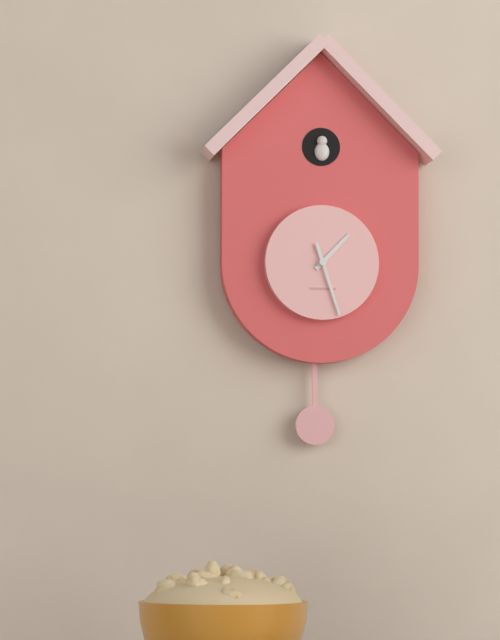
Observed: **1:27**
